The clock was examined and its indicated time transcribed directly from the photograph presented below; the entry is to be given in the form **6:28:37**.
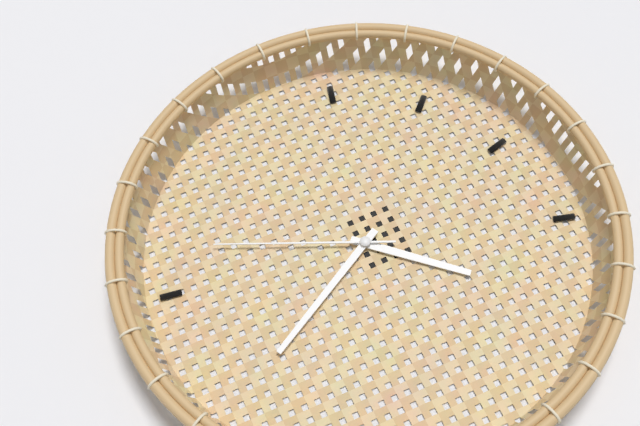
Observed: **1:25:34**
